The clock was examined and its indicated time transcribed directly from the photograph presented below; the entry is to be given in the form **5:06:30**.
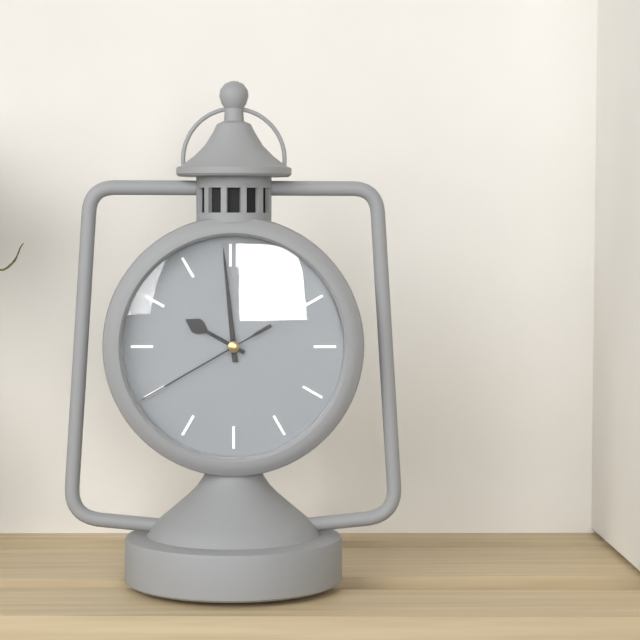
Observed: **9:59:40**
